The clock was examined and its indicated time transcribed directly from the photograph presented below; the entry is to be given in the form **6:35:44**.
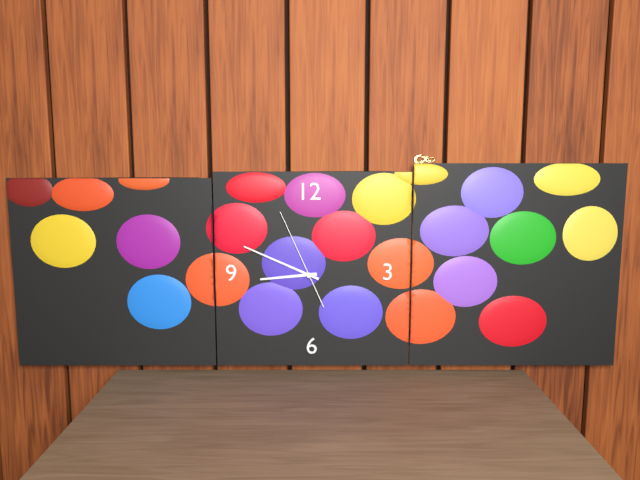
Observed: **8:49:56**
